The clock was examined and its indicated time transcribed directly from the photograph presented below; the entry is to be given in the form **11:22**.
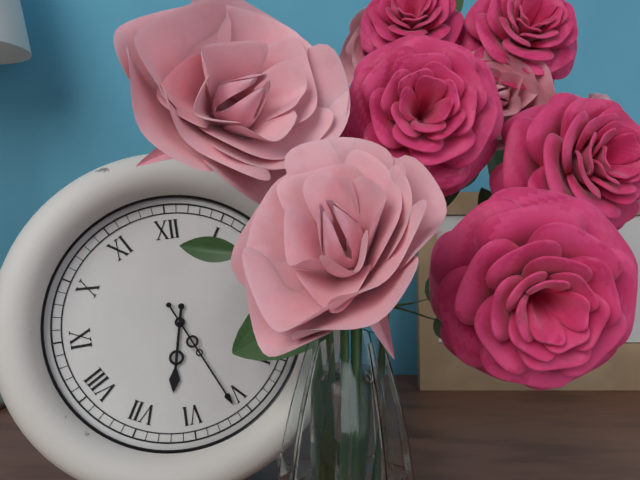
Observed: **6:26**
